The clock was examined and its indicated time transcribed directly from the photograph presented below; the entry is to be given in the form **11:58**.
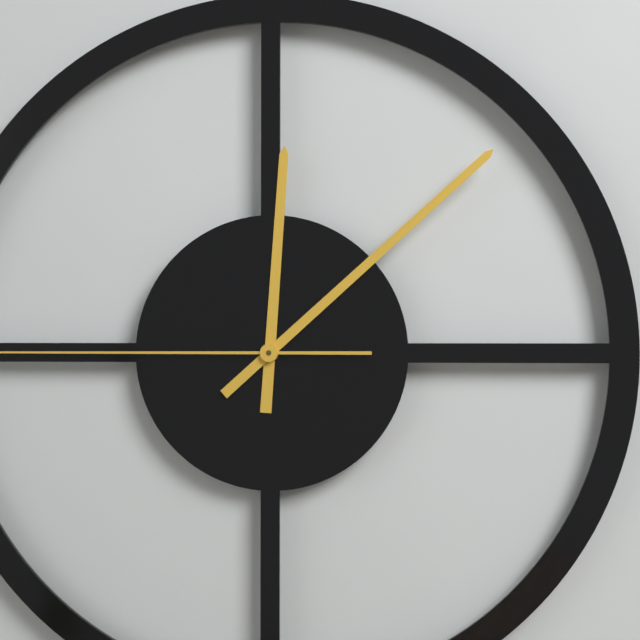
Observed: **12:08**
